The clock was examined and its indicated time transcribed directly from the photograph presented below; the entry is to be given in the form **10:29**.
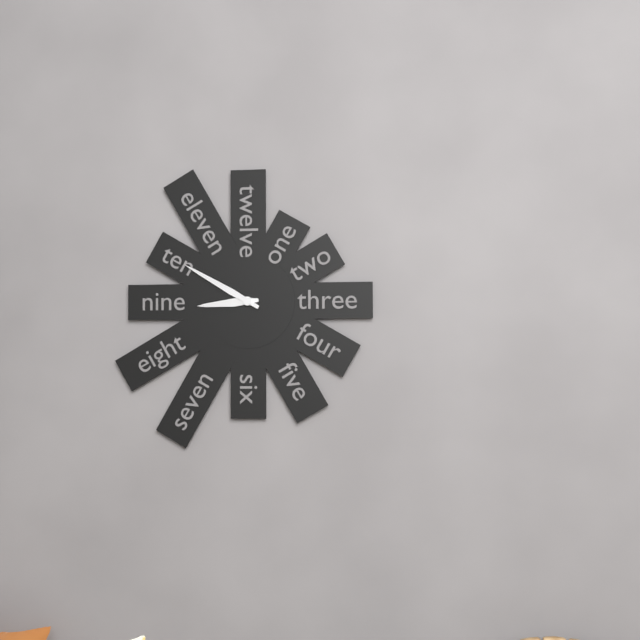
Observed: **8:50**
